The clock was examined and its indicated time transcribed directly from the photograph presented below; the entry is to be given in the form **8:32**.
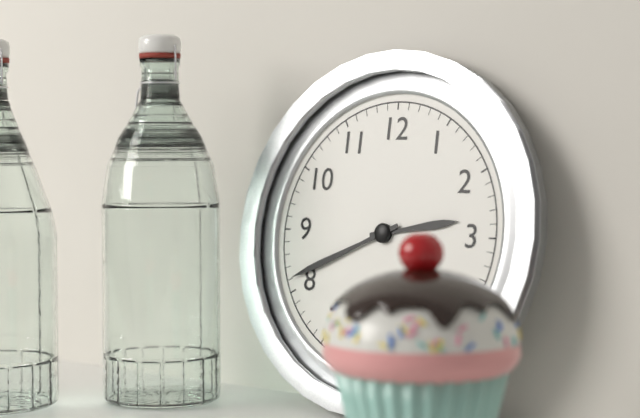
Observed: **2:41**
